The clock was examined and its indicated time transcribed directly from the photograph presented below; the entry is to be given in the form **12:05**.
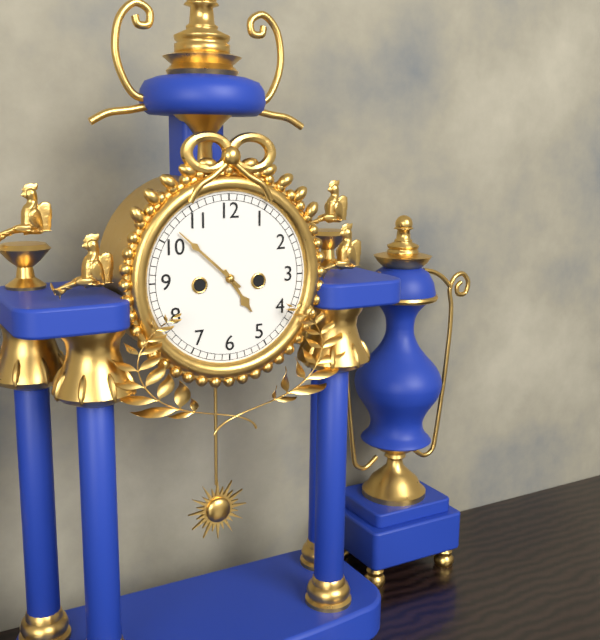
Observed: **4:52**
